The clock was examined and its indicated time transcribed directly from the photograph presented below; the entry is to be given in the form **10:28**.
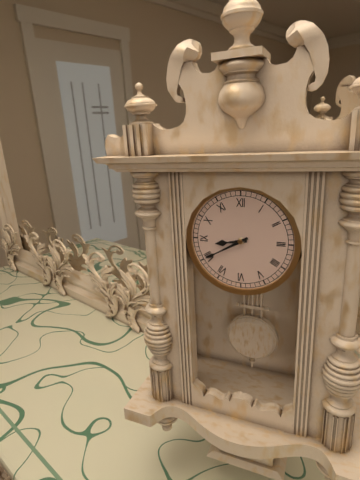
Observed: **8:40**
